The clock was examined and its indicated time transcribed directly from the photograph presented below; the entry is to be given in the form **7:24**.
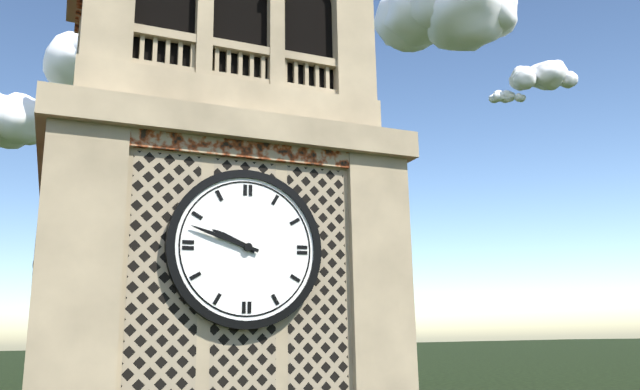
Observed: **9:48**
